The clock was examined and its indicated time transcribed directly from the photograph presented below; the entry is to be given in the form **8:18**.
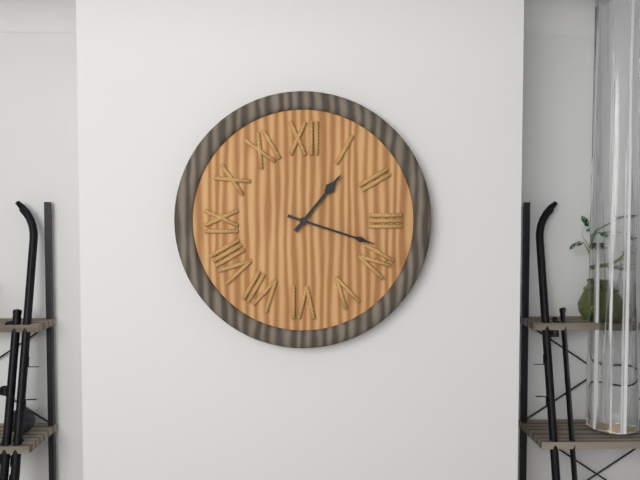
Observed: **1:18**
